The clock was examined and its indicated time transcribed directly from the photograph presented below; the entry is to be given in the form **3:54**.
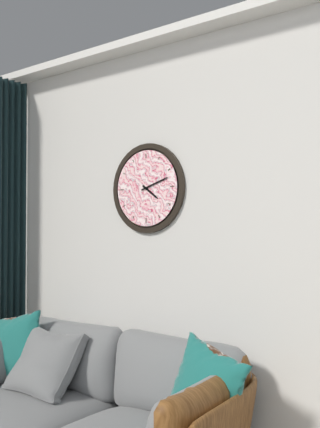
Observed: **4:12**
